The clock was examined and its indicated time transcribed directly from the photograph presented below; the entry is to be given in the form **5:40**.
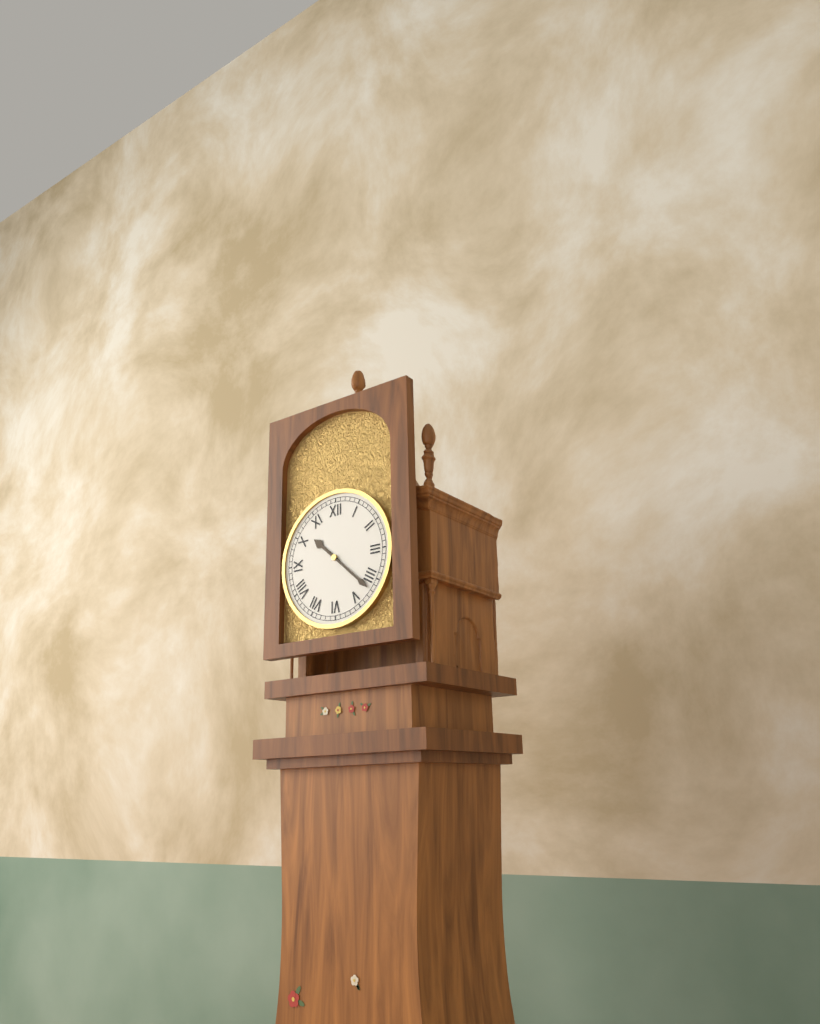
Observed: **10:22**
